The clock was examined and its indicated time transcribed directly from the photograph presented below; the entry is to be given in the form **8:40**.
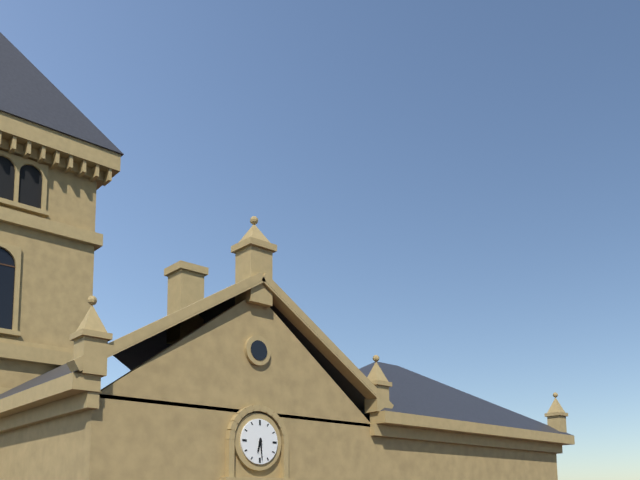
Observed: **6:29**
